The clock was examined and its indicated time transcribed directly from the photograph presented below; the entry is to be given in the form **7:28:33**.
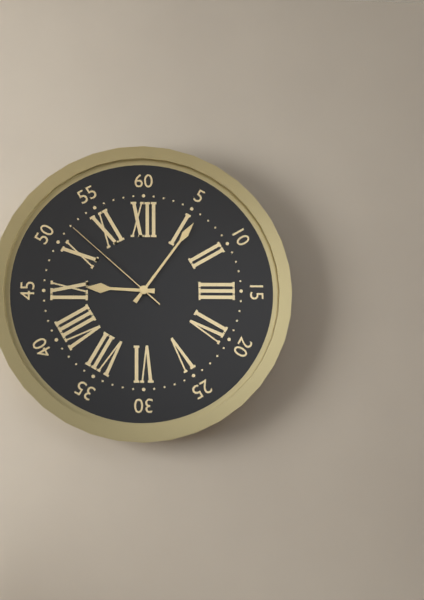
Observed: **9:06:52**
